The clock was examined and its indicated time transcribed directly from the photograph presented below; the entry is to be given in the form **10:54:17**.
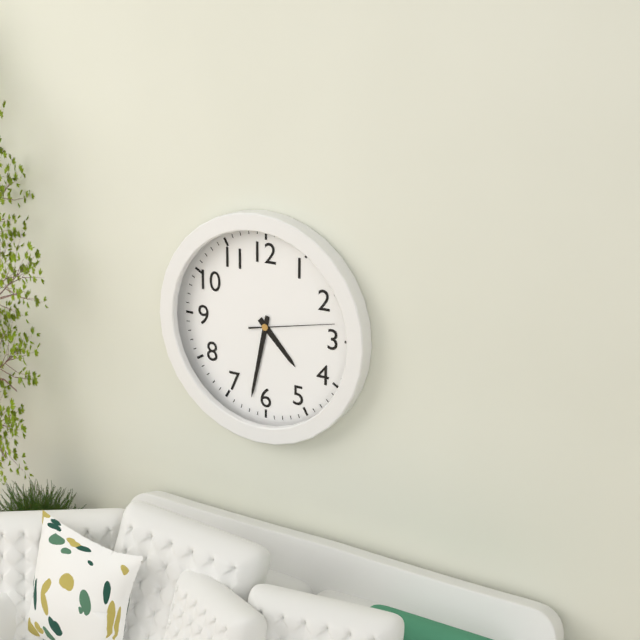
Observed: **4:32:13**
